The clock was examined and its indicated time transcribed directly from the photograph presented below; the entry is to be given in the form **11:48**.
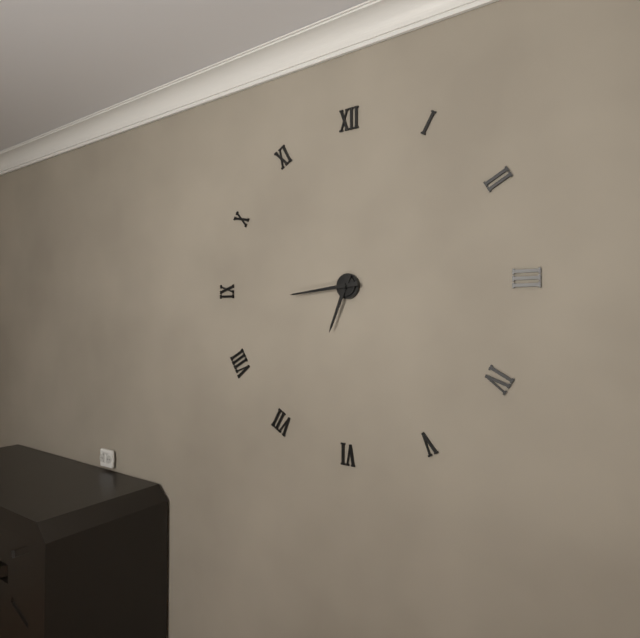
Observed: **6:44**
